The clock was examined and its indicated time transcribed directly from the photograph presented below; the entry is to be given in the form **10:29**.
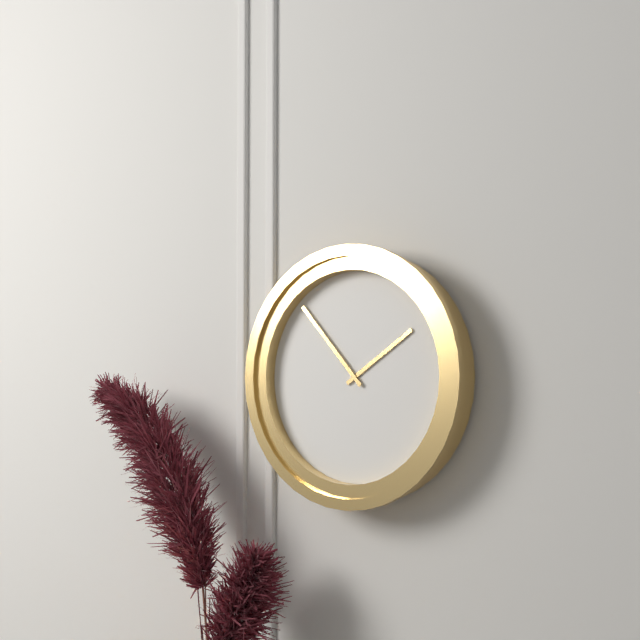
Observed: **1:53**
